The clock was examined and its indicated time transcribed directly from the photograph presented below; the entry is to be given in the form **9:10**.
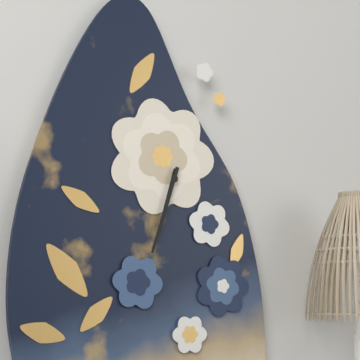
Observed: **6:33**
